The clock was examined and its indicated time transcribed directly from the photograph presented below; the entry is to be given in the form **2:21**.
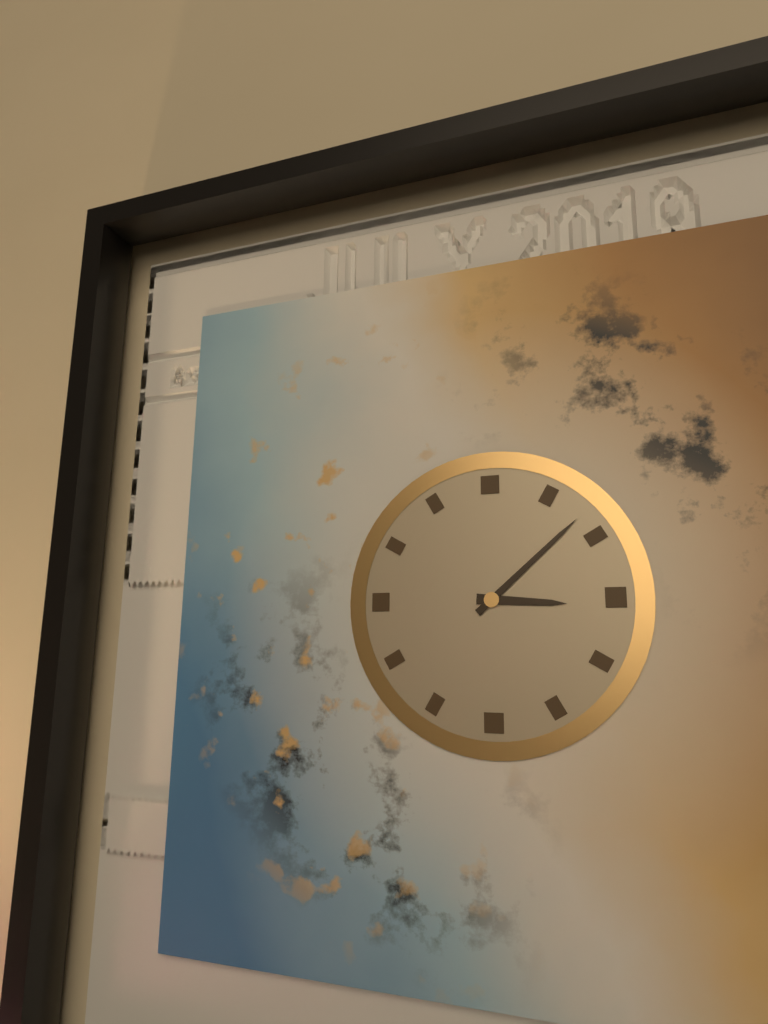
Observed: **3:08**
